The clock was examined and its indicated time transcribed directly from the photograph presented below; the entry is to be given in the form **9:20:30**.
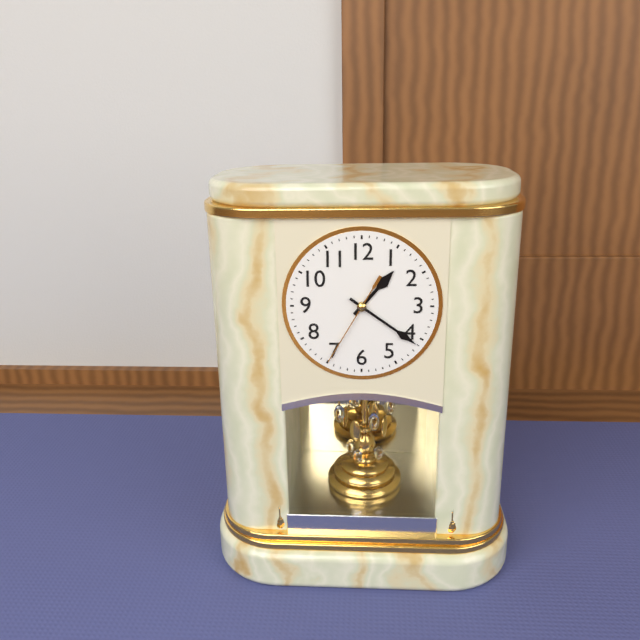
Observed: **1:21:35**
